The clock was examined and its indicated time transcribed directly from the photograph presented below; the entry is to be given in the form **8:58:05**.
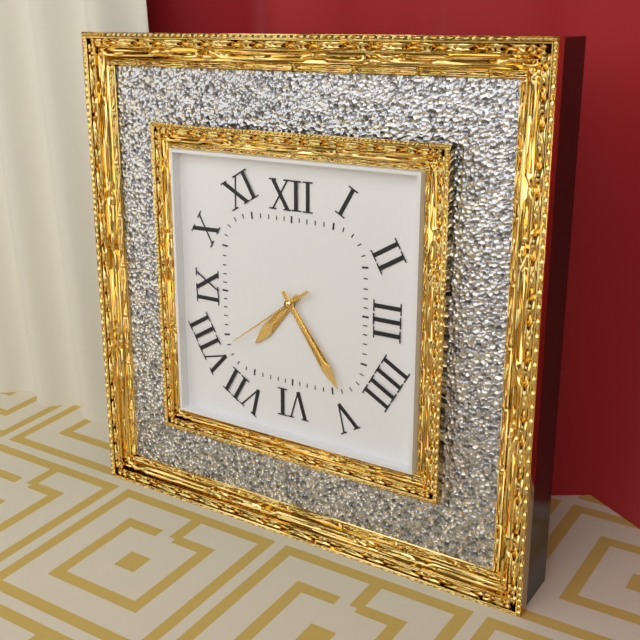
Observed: **7:24:39**
